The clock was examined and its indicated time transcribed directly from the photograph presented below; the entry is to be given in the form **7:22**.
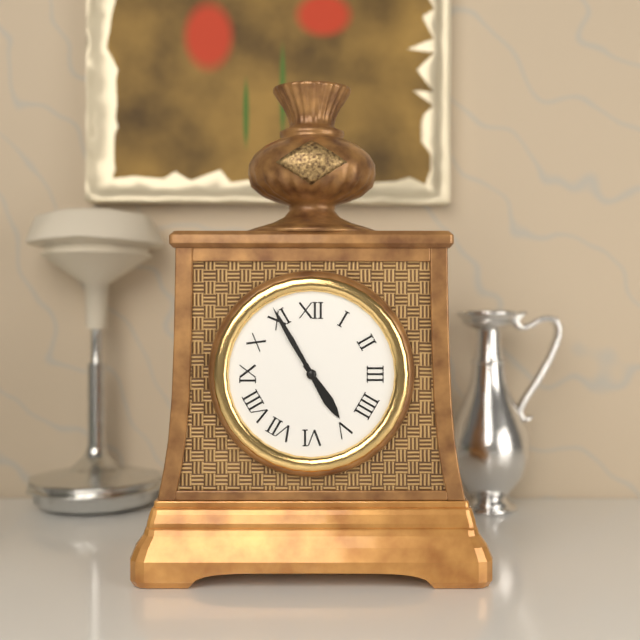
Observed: **4:55**
